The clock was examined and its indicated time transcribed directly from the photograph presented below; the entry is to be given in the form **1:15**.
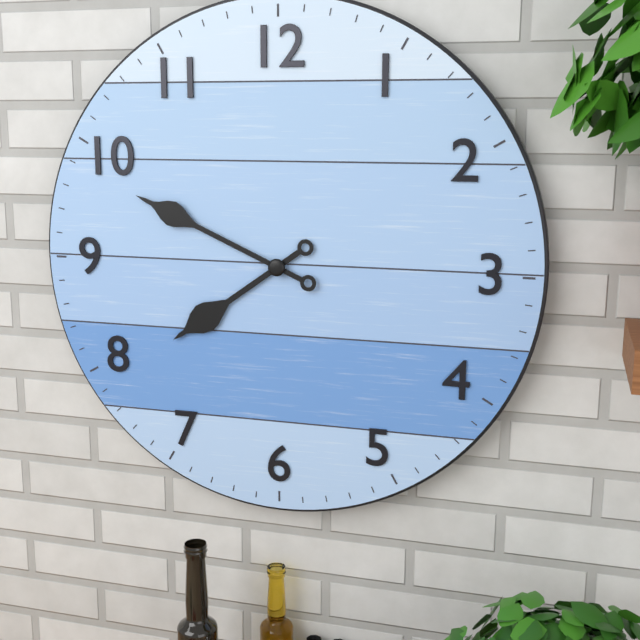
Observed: **7:49**
